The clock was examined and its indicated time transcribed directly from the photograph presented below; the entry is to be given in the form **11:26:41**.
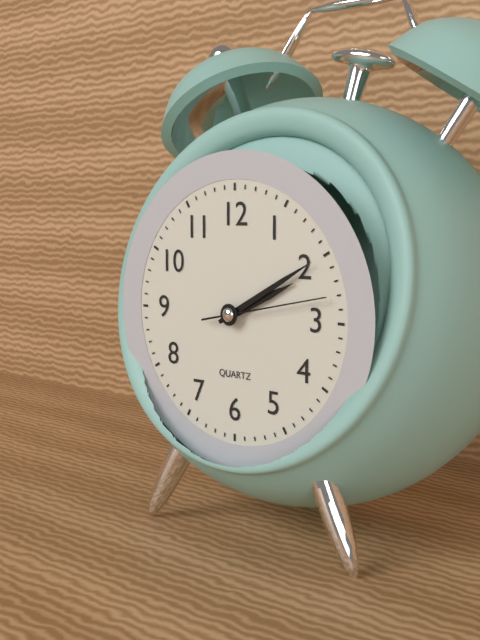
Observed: **2:10:13**
